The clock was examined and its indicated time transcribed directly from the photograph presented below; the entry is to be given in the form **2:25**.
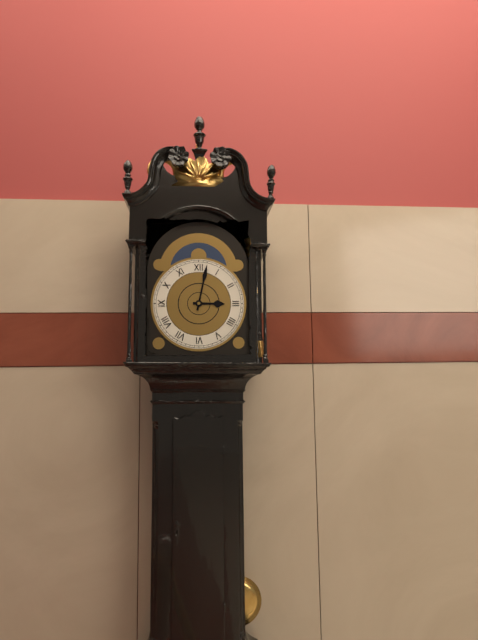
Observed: **3:02**
